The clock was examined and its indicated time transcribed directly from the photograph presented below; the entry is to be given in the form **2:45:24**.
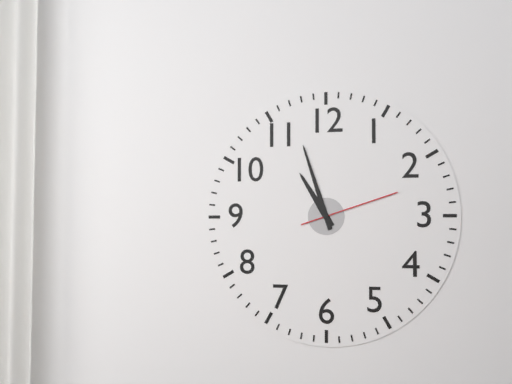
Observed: **10:57:12**
